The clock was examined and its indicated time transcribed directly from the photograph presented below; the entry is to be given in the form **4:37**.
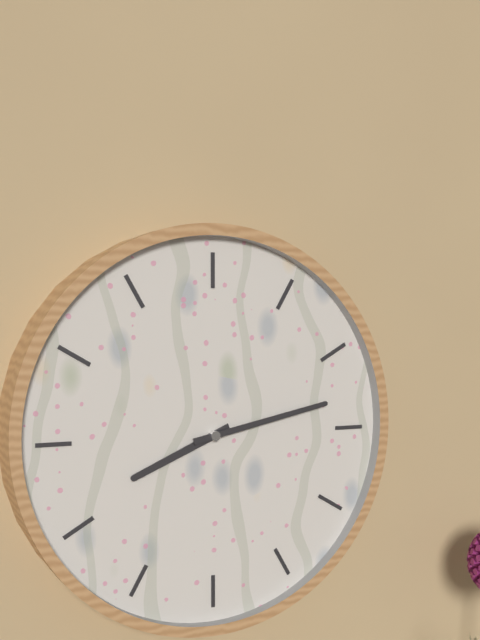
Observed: **8:13**
